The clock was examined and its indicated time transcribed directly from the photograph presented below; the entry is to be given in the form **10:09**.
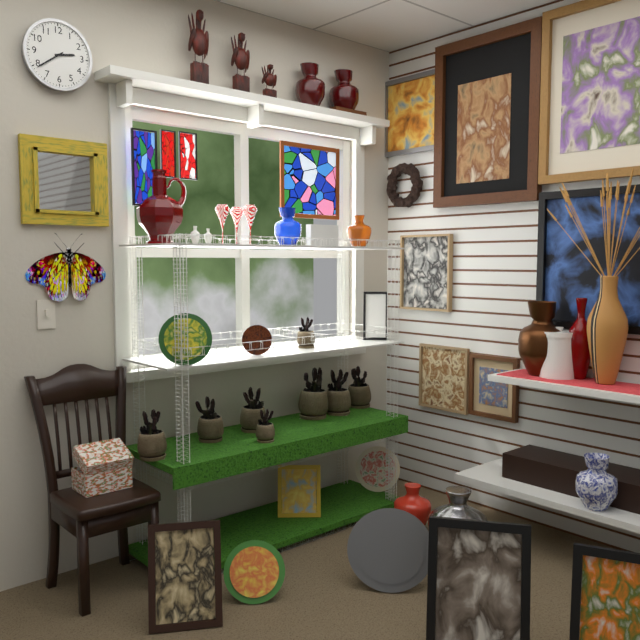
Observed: **2:39**
